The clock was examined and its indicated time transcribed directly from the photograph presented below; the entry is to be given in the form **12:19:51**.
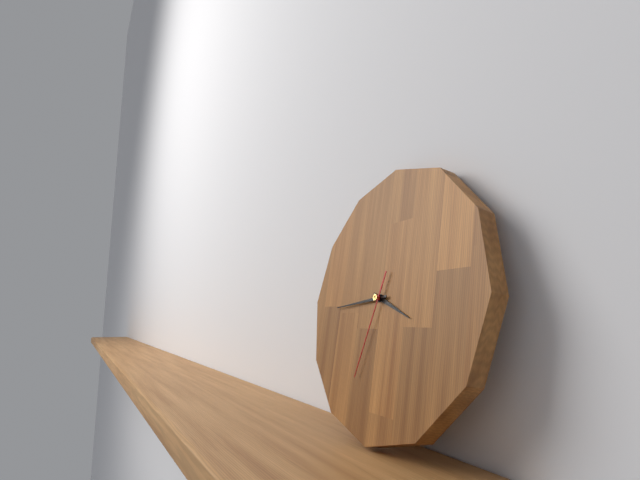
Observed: **3:44:33**
